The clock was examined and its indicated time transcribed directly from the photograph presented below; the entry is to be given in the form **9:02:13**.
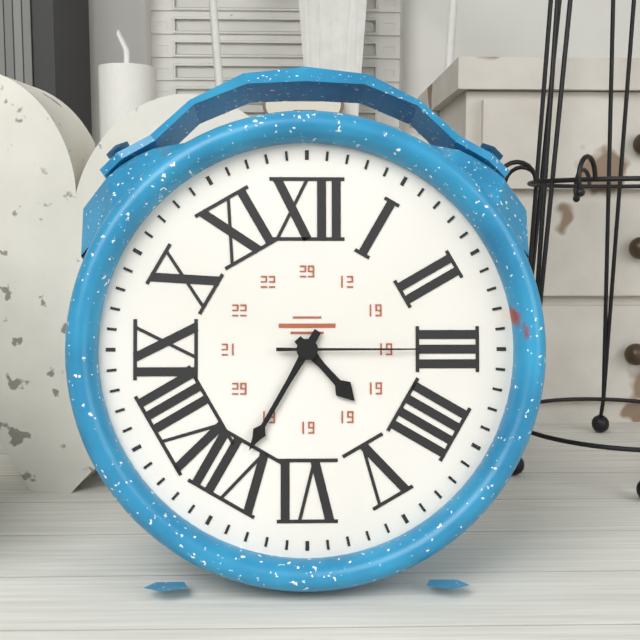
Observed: **4:35:15**
